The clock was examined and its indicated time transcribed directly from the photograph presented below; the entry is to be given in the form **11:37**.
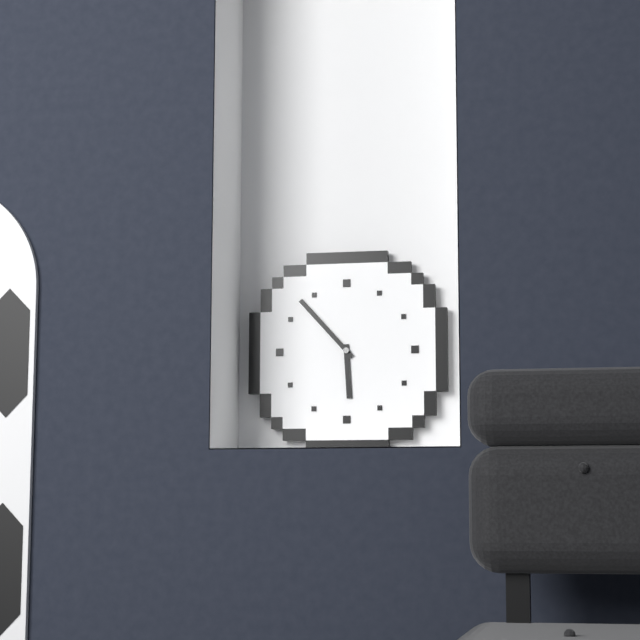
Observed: **5:53**
